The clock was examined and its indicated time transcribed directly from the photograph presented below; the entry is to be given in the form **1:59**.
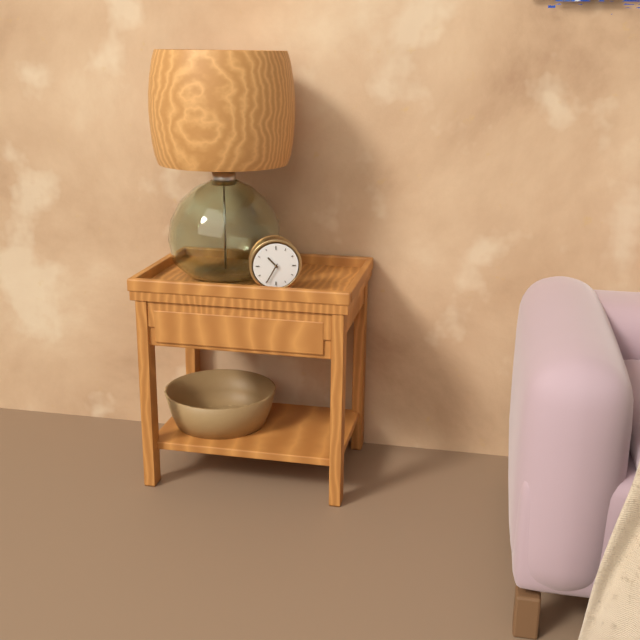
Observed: **10:35**
